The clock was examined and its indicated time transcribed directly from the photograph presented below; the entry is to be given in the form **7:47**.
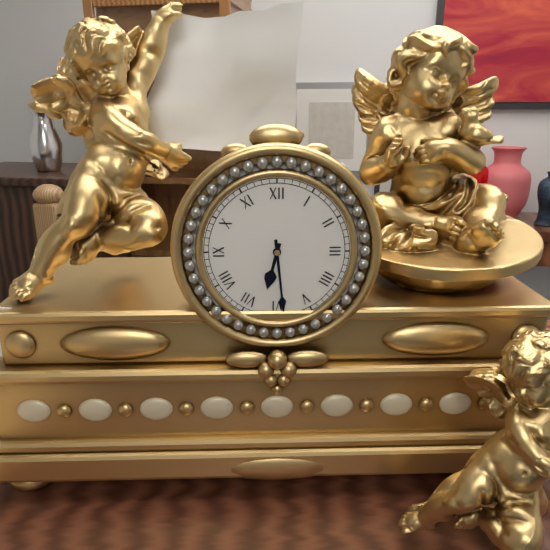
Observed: **6:29**
